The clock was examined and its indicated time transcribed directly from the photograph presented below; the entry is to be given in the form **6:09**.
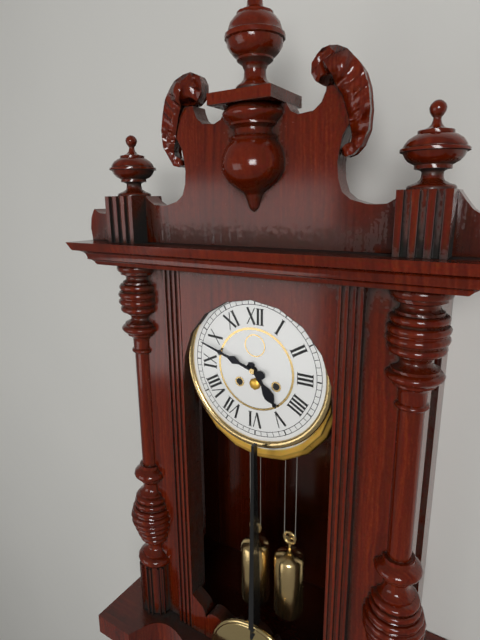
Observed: **4:48**
